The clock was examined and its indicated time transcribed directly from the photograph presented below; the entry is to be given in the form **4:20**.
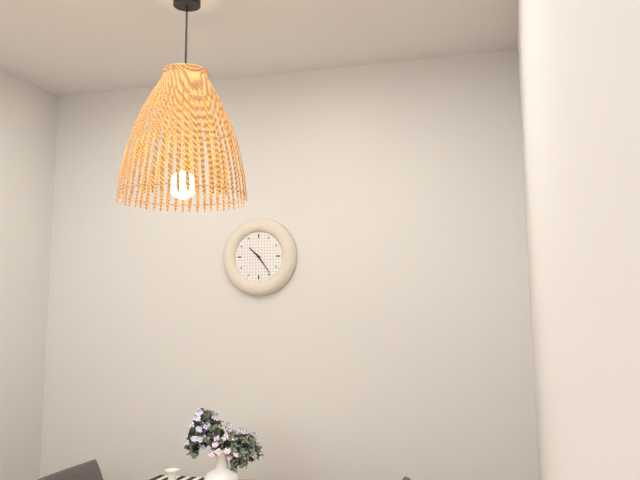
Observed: **10:24**
